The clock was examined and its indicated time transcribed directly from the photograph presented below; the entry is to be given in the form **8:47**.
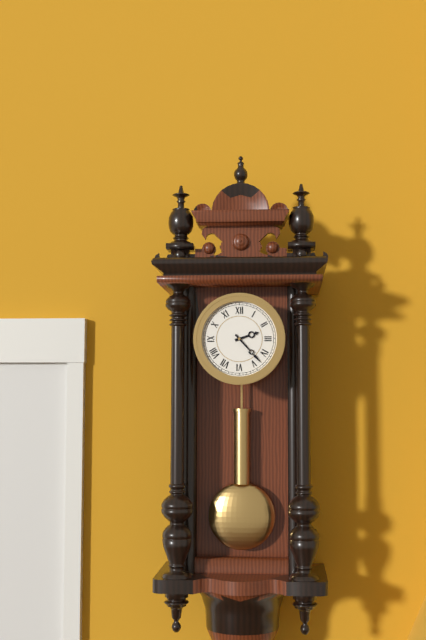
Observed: **2:23**
